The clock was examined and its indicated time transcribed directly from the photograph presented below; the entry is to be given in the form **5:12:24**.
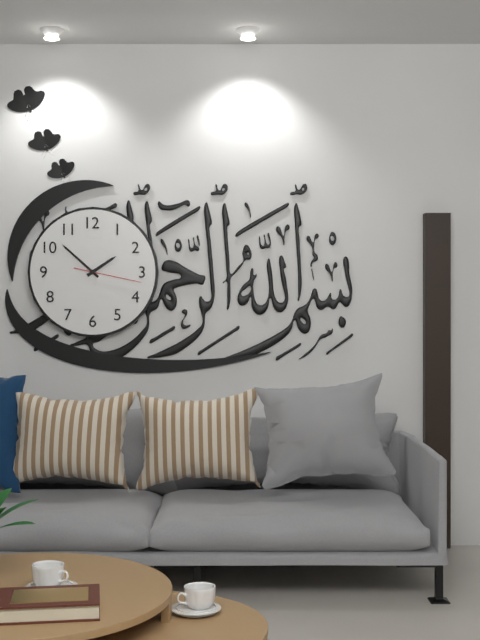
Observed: **1:52:17**
